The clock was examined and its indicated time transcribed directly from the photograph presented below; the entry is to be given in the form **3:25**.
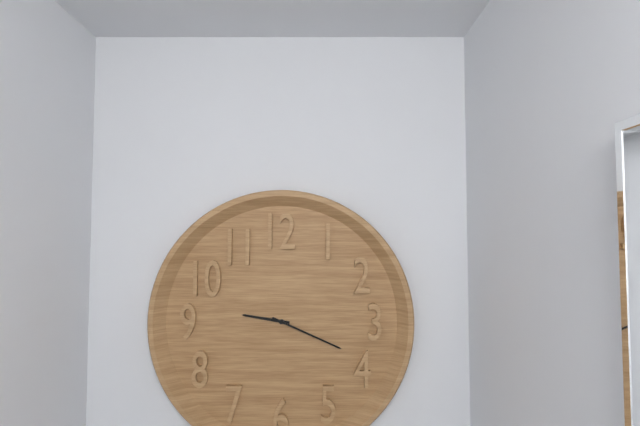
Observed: **9:19**
